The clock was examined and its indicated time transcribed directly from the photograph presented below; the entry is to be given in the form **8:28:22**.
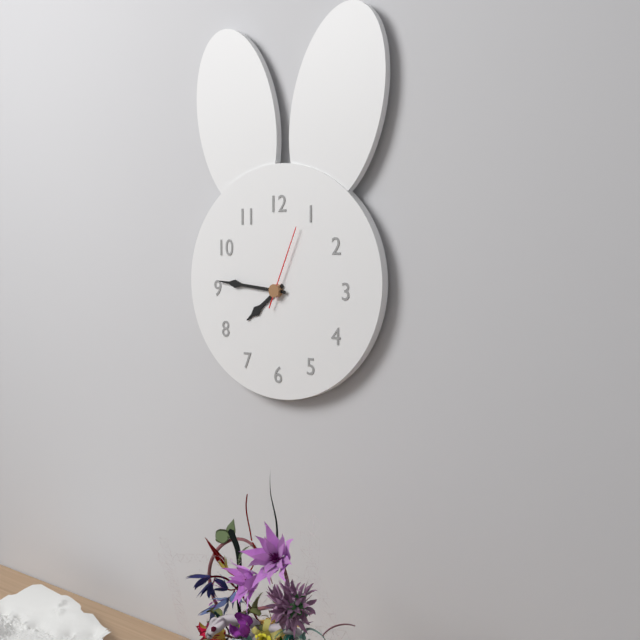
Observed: **7:46:04**
